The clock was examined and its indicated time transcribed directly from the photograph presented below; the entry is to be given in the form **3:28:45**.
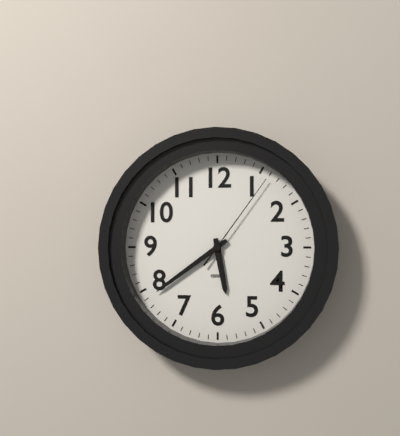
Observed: **5:39:06**
